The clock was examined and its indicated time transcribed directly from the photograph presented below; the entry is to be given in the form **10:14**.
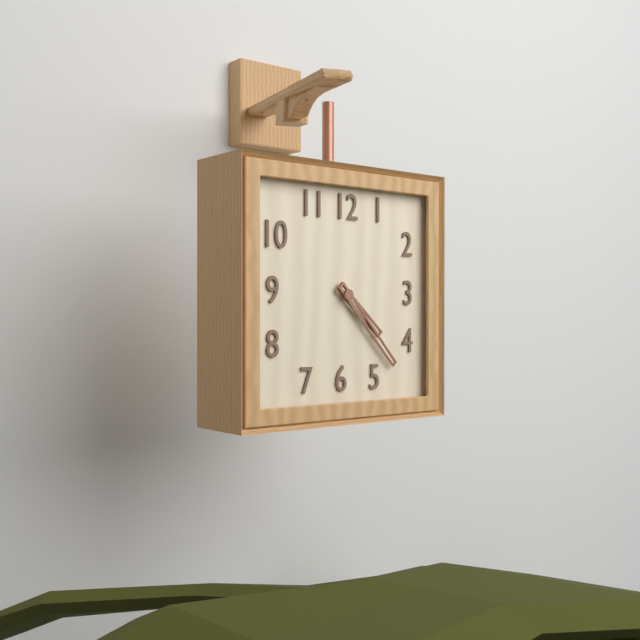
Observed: **4:23**
